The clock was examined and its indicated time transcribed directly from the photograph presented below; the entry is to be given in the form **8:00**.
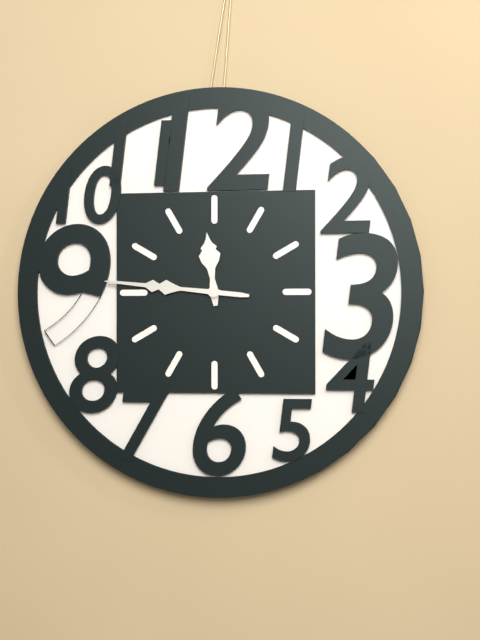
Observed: **11:46**
